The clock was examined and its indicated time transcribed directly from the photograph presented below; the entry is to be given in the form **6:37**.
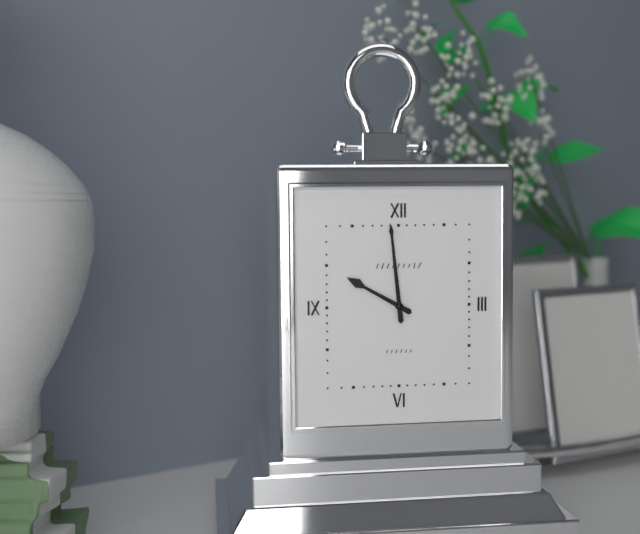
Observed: **9:59**
